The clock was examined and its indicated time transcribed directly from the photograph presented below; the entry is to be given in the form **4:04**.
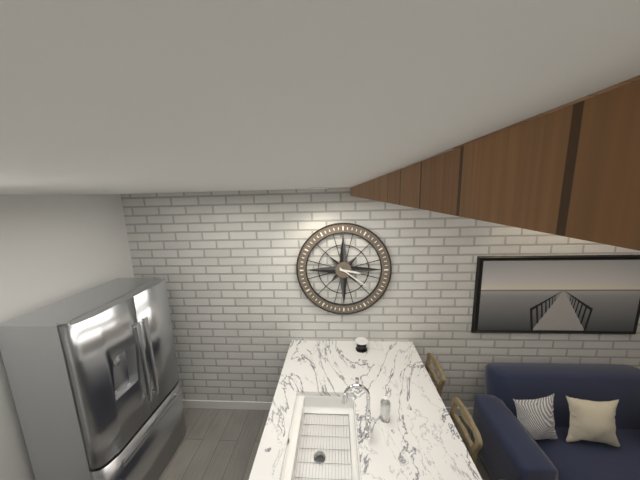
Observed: **3:21**
